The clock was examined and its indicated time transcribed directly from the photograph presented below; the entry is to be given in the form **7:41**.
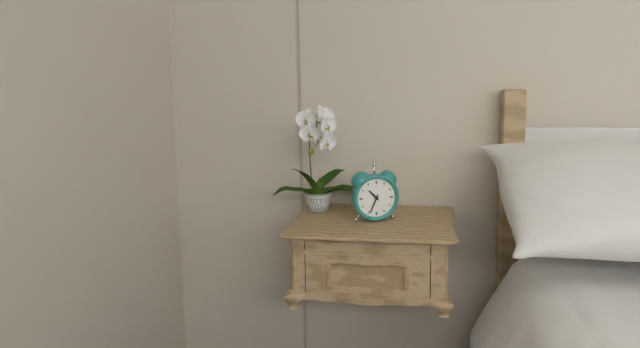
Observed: **10:34**
